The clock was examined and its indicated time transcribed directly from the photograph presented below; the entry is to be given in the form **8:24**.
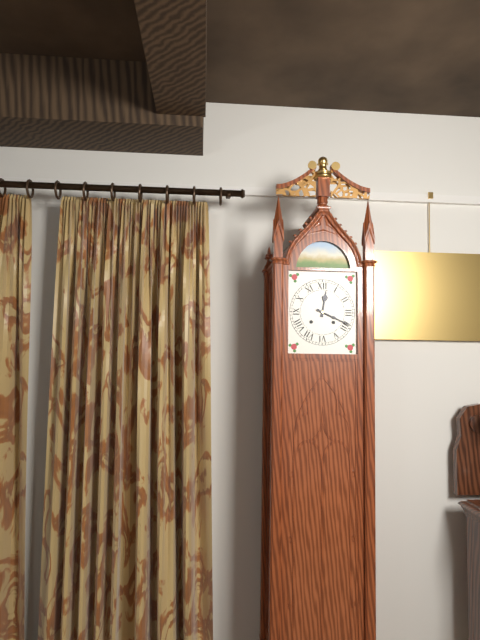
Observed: **12:19**
